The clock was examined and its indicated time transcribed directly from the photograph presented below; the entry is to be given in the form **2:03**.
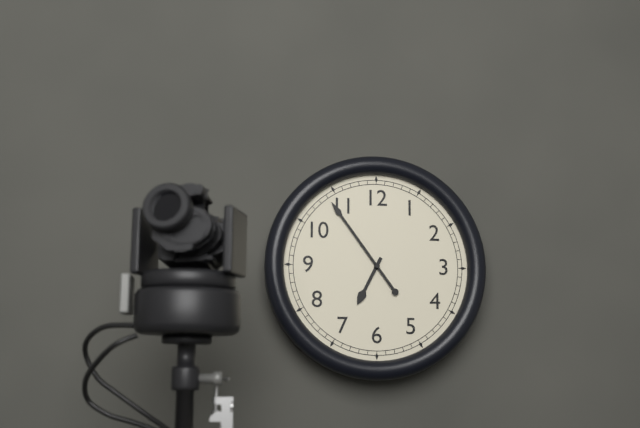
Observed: **6:54**
